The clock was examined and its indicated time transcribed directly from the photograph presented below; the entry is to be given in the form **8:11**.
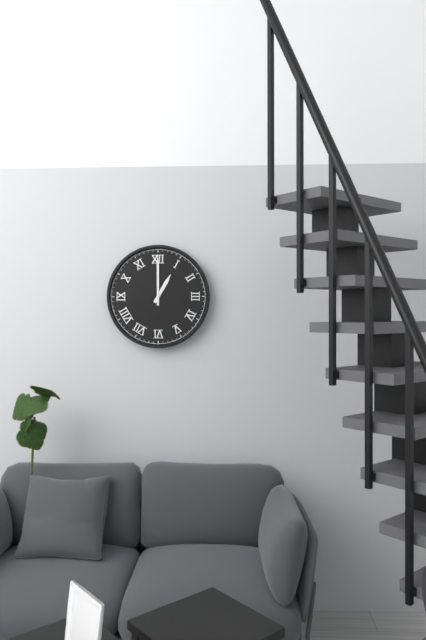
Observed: **1:00**
